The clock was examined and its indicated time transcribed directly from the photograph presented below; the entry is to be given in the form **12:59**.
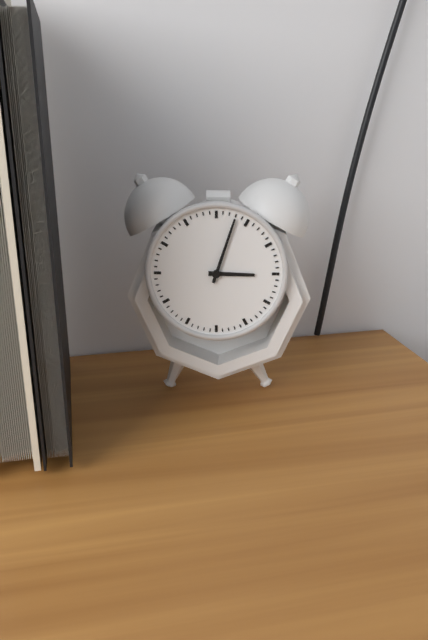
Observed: **3:03**
